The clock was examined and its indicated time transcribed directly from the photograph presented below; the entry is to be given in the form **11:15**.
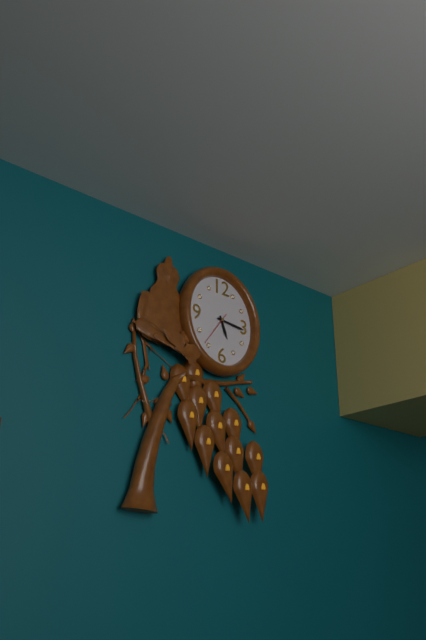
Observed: **5:16**
